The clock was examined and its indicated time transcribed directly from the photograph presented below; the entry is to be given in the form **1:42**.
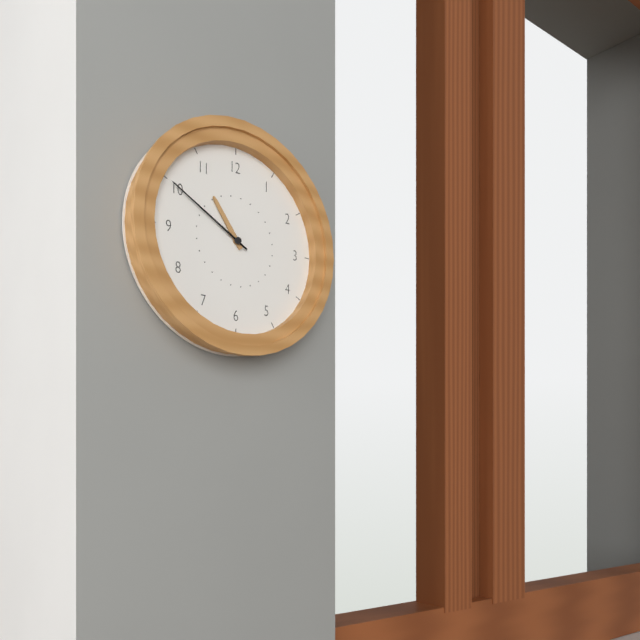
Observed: **10:50**
